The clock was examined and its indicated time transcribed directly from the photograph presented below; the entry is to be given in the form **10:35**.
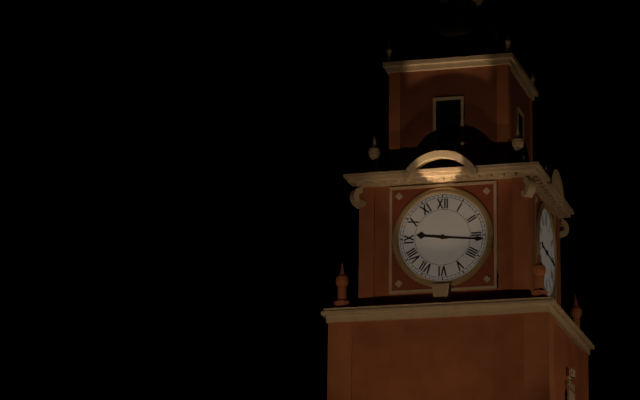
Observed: **9:16**
